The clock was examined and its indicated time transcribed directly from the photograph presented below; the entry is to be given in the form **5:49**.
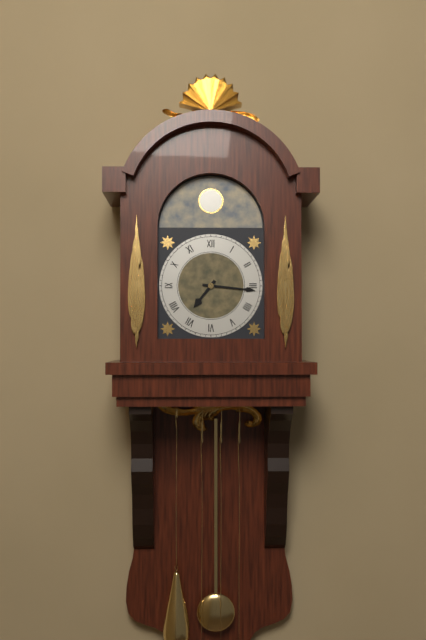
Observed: **7:16**
